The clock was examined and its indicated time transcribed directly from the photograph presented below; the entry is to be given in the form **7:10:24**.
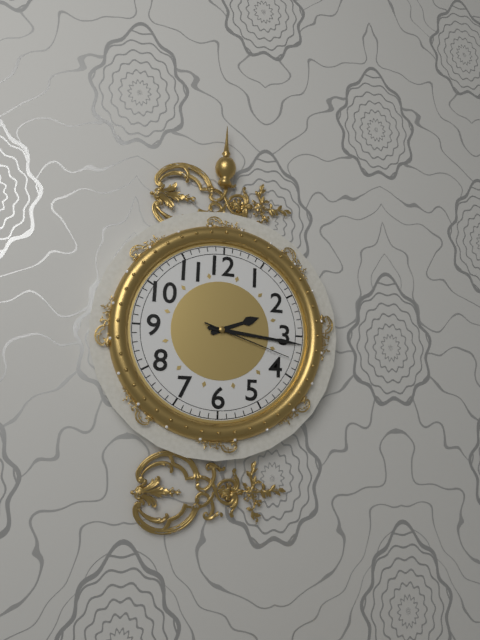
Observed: **2:16:18**
